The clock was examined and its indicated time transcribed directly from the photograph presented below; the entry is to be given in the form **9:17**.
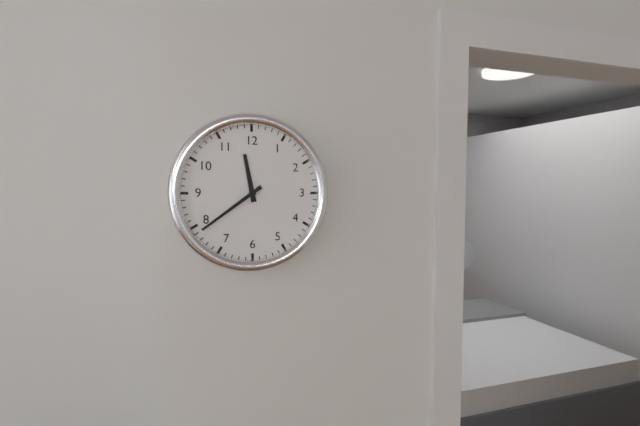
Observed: **11:39**
